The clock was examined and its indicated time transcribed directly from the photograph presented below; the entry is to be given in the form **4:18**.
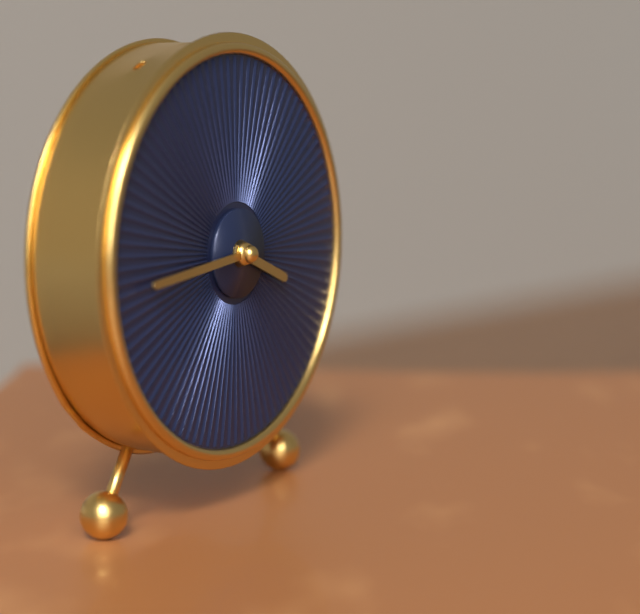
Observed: **3:44**
